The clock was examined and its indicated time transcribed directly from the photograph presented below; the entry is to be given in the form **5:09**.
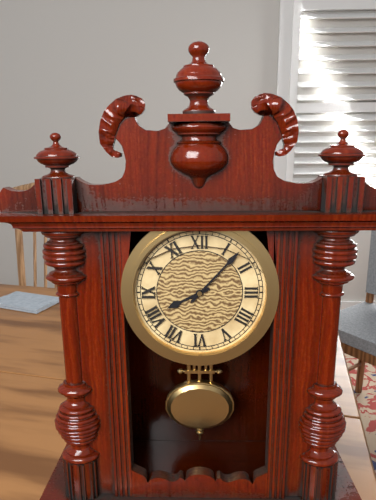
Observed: **8:07**
